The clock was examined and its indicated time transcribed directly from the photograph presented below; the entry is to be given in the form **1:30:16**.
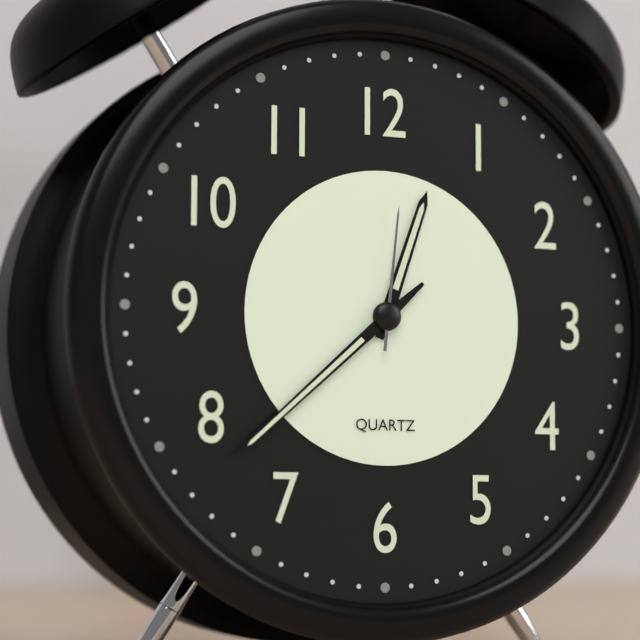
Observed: **12:38:01**
